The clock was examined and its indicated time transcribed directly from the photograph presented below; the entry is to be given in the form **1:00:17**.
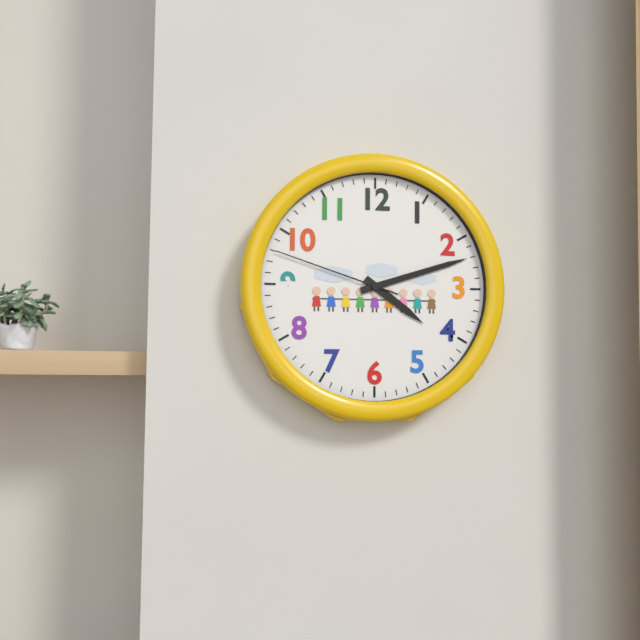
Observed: **4:12:48**
